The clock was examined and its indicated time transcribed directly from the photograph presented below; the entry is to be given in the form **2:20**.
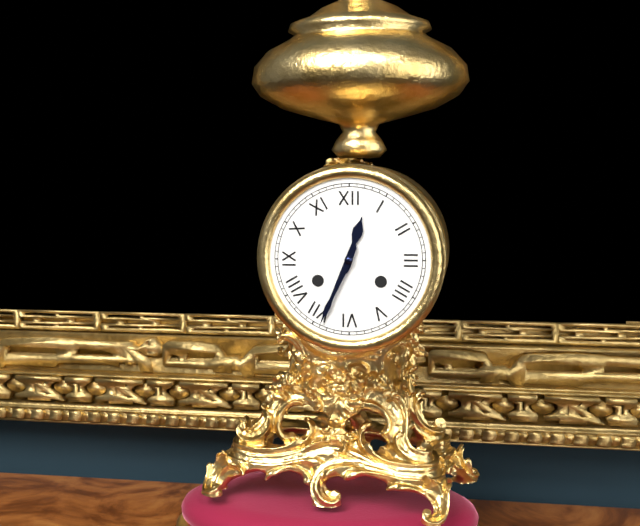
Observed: **12:34**
